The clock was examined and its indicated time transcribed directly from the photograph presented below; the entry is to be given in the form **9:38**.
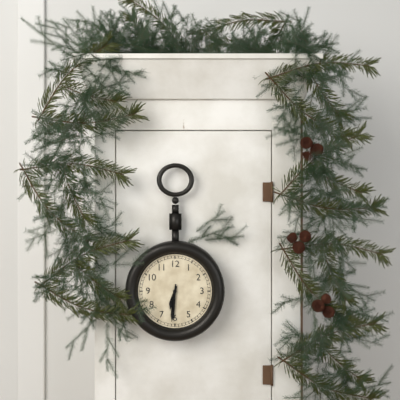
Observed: **6:31**
